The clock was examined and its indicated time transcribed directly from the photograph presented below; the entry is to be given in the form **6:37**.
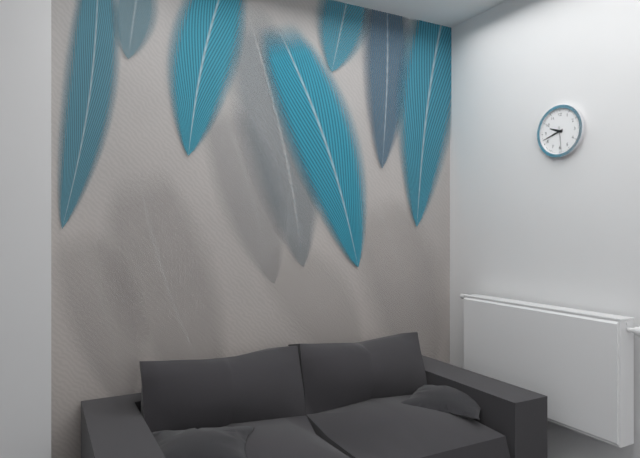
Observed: **9:42**
